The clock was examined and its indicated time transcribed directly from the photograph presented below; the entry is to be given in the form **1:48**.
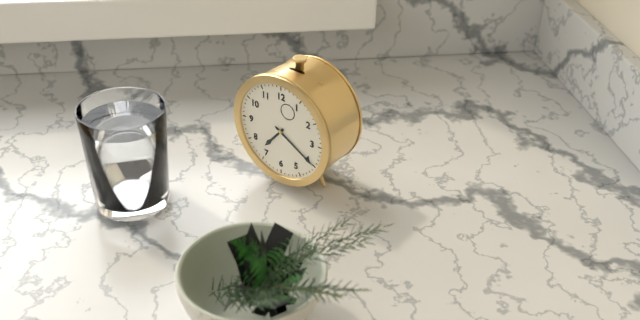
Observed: **7:20**
